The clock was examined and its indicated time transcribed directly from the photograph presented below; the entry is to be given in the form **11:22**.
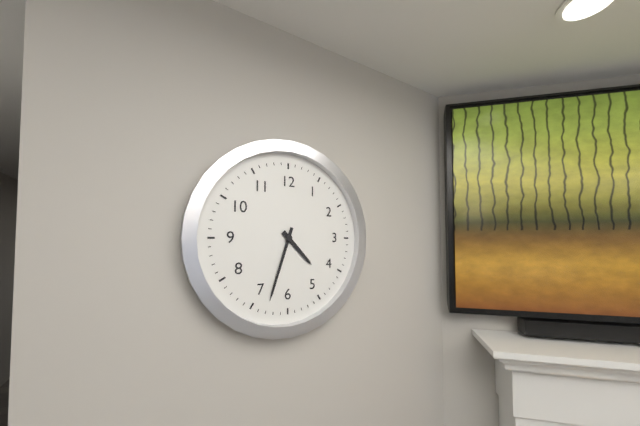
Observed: **4:33**
